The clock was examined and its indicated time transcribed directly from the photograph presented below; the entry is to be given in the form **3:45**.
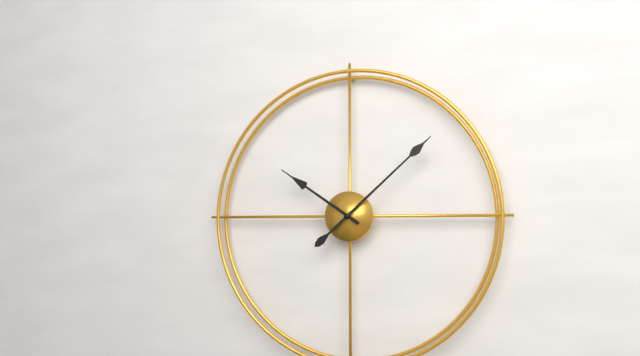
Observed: **10:08**
